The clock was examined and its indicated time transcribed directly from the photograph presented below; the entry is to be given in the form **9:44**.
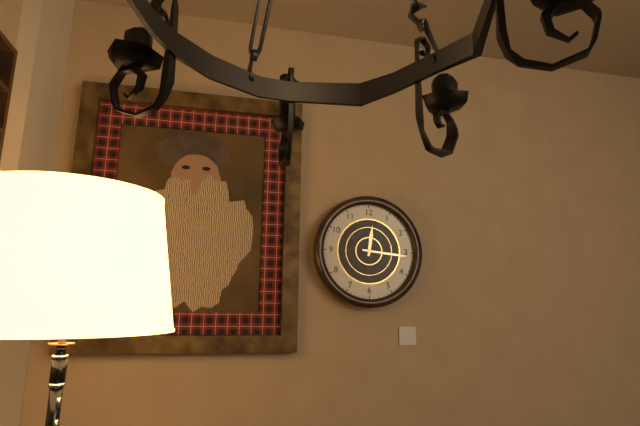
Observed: **12:16**
